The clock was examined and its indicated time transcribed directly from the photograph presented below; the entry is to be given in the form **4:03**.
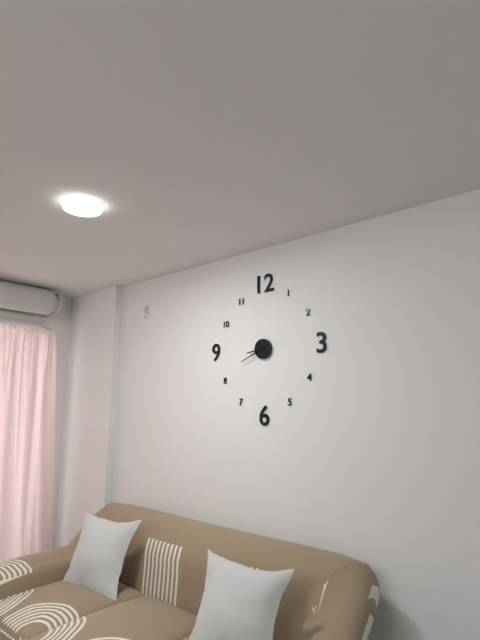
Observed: **8:41**
